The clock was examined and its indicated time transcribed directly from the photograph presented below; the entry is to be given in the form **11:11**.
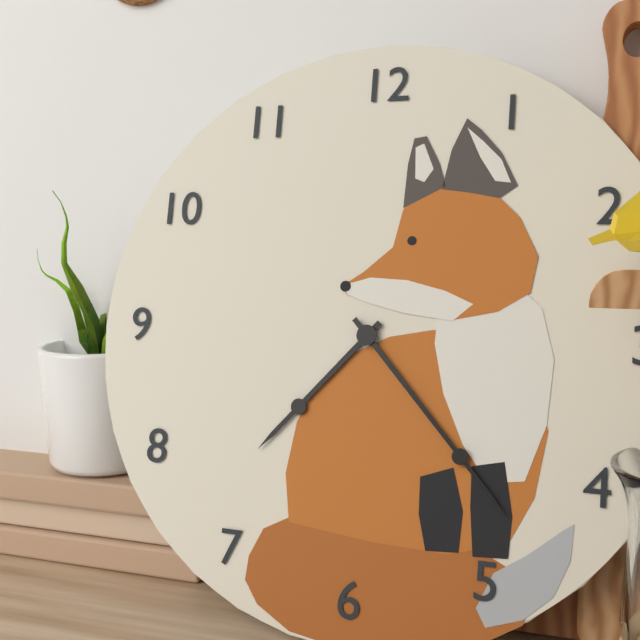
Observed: **7:23**
